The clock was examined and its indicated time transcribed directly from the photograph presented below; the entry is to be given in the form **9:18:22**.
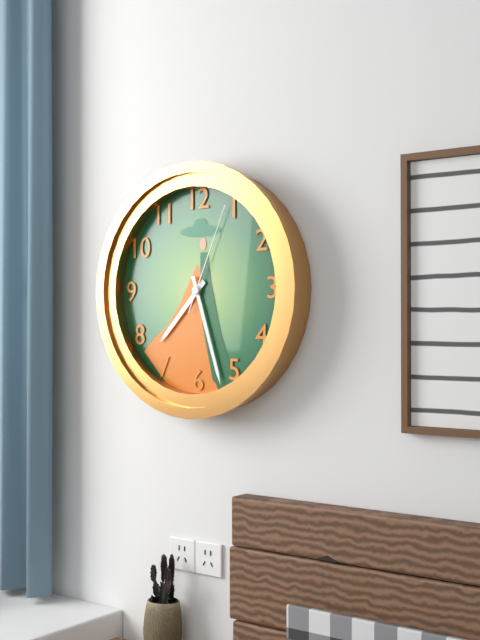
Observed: **7:27:04**
